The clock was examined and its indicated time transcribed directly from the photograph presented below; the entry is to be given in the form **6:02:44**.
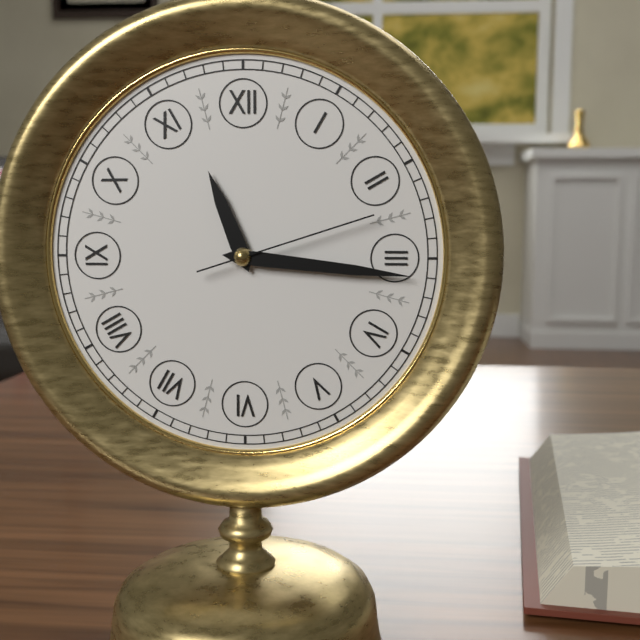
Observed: **11:16:12**
